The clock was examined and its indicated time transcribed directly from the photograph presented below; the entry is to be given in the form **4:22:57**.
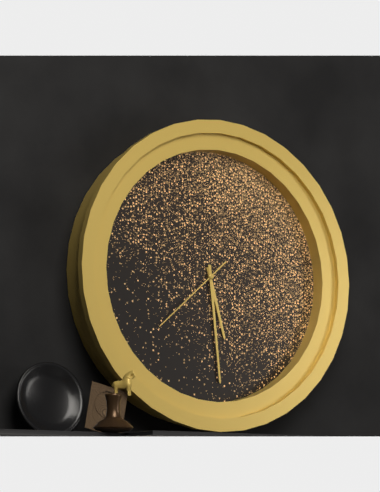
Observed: **5:29:38**
